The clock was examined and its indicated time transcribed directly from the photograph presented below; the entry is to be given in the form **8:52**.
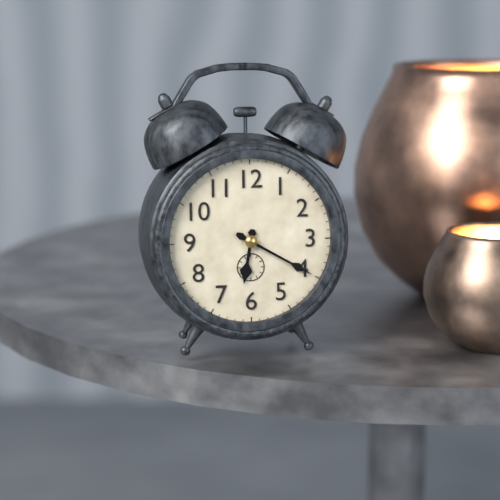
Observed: **6:20**
